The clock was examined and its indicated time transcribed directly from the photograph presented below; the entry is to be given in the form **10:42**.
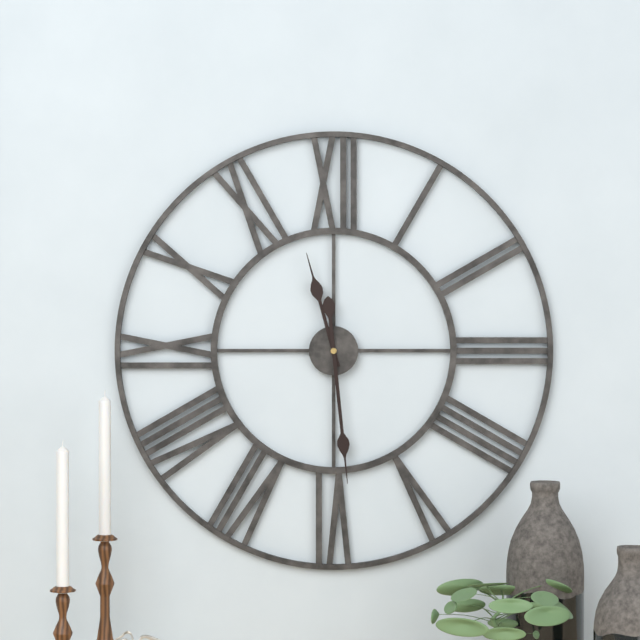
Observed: **11:29**
